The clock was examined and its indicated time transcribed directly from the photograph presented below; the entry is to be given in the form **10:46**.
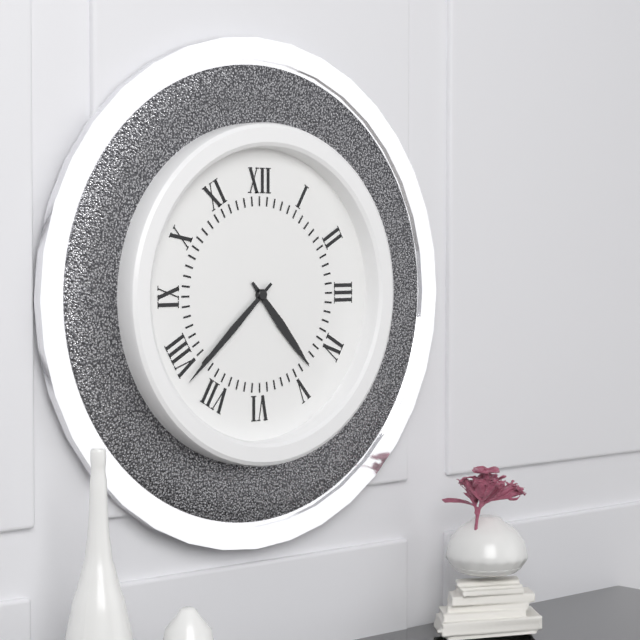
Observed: **4:38**
